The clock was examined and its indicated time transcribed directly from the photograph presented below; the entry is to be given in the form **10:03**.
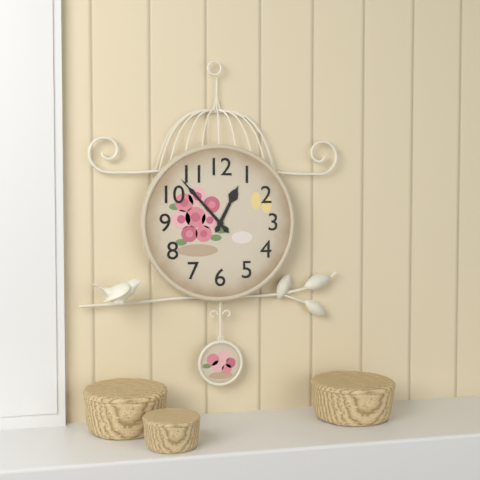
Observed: **12:53**
